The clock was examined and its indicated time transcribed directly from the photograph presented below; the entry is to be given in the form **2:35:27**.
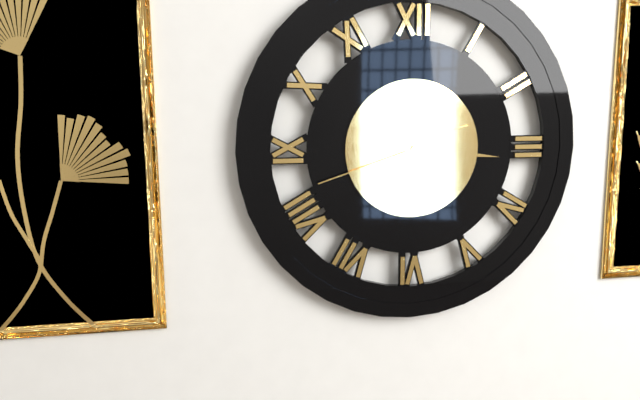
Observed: **2:16:42**
